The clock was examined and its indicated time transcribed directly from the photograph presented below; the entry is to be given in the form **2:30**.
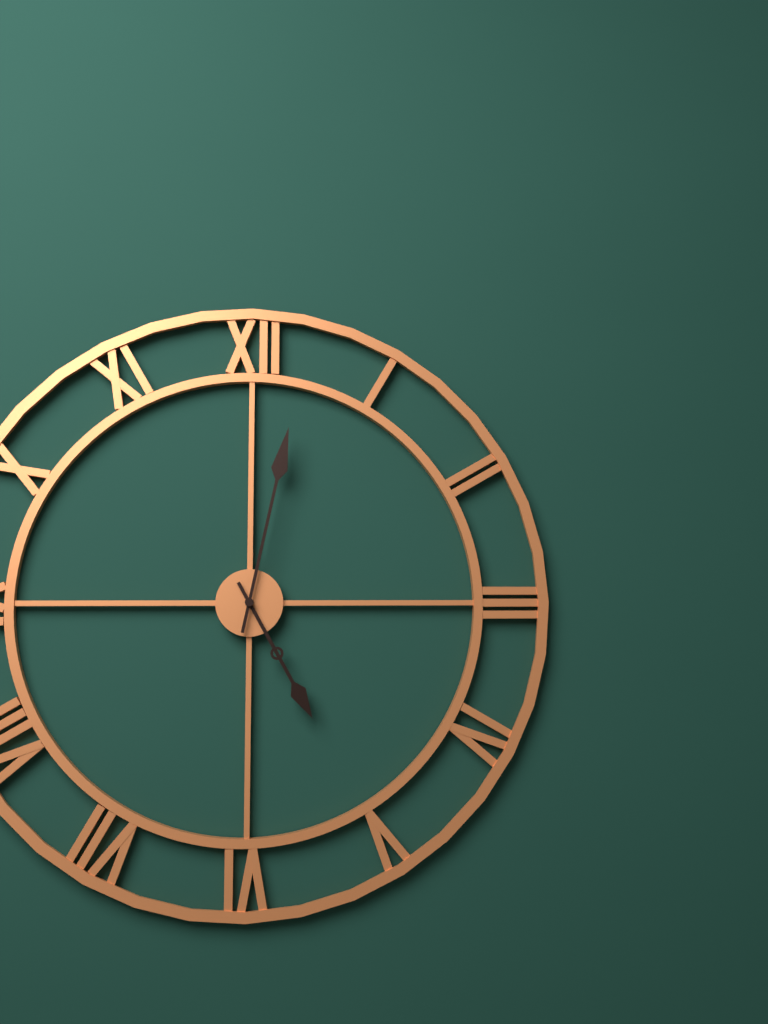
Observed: **5:02**
